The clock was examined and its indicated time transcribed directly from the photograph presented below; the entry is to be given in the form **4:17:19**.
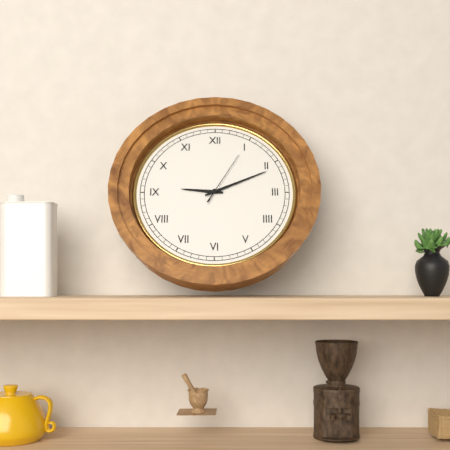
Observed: **9:11:05**
